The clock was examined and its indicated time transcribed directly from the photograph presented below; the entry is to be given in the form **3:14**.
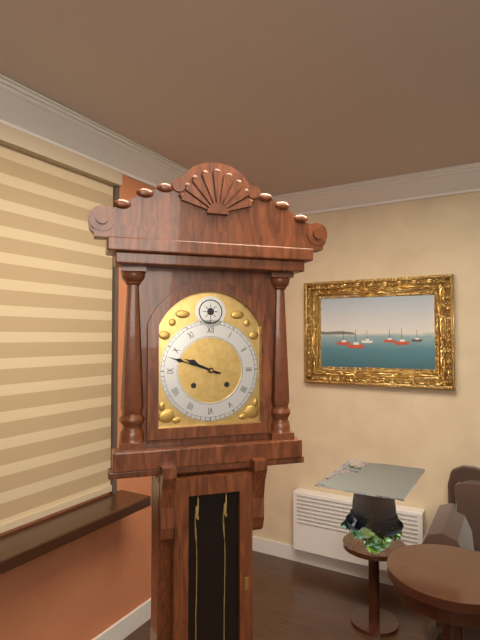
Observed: **9:48**
